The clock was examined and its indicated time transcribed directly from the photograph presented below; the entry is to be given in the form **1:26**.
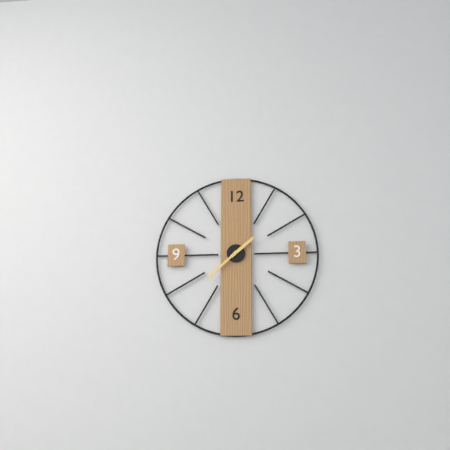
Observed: **1:38**
